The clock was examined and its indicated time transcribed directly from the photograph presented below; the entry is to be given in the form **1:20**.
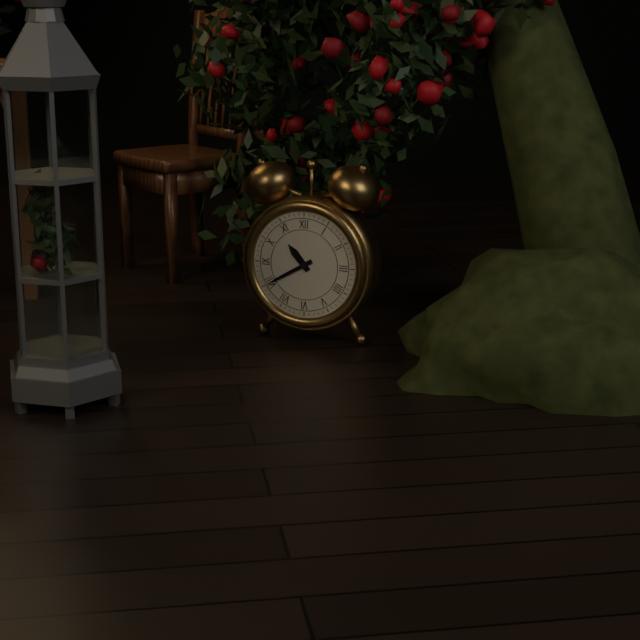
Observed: **10:40**
